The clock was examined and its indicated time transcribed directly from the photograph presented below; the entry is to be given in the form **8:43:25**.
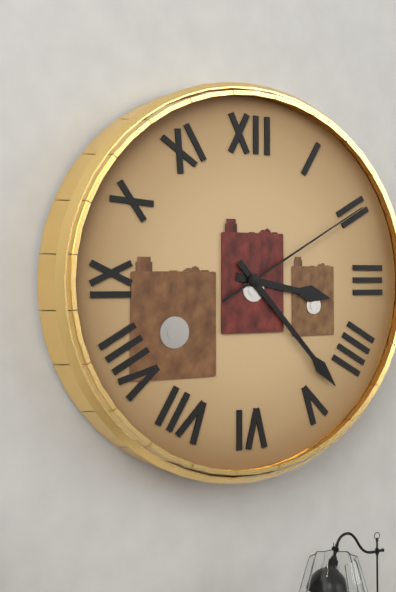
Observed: **3:23:10**
